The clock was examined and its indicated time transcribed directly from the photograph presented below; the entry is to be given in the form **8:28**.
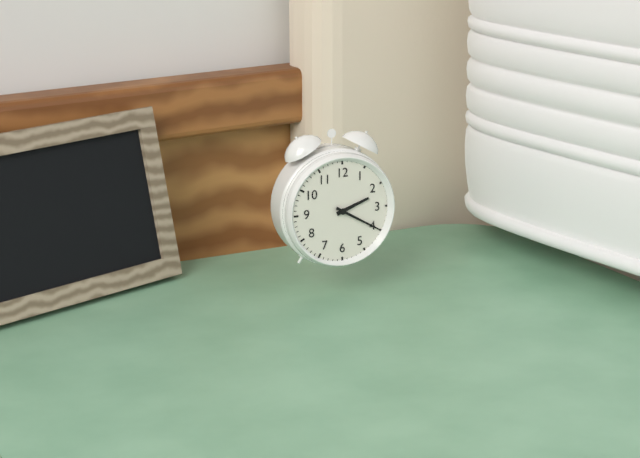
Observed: **2:20**
